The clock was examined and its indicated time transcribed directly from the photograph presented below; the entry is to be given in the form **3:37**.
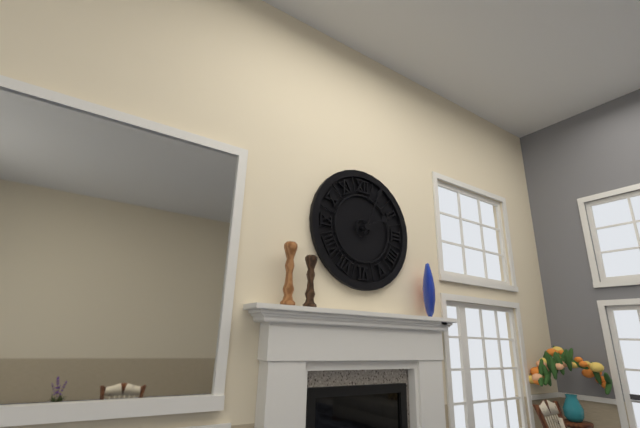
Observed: **2:04**
